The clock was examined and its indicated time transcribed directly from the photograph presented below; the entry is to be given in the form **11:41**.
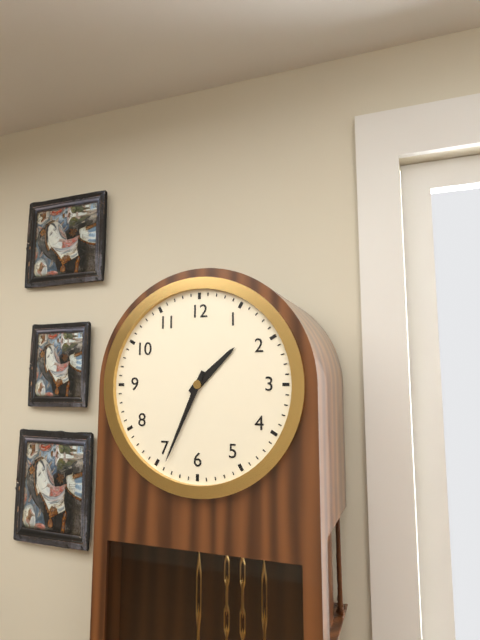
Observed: **1:34**
